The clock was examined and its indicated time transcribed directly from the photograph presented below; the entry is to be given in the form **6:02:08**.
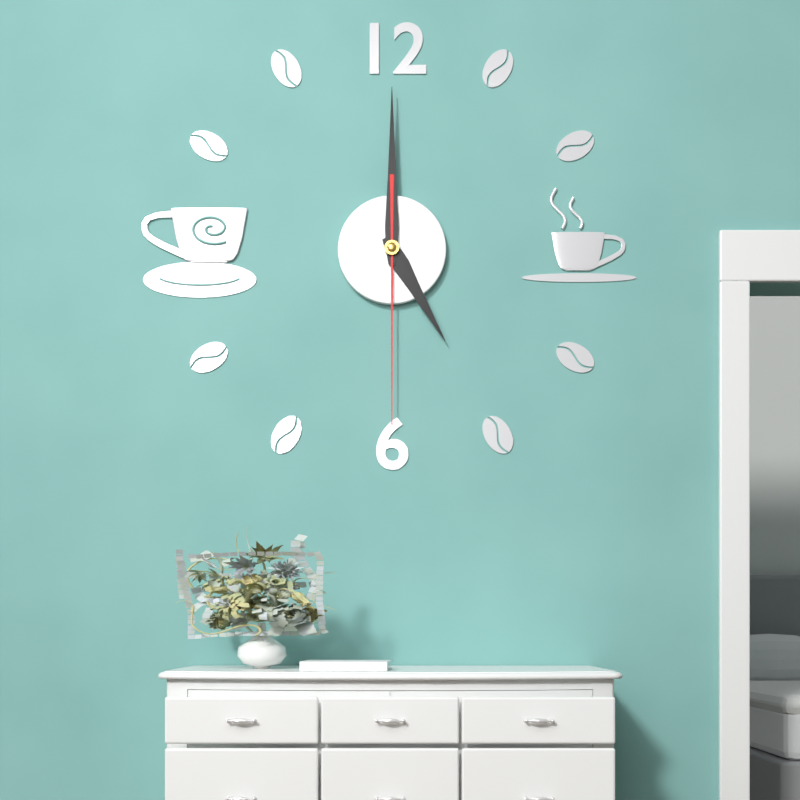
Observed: **5:00:30**
